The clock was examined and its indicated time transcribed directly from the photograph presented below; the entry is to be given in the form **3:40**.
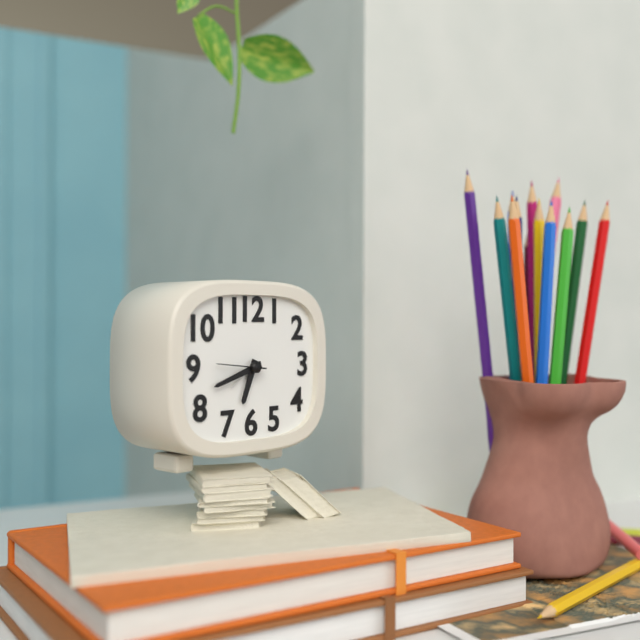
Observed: **6:42**
